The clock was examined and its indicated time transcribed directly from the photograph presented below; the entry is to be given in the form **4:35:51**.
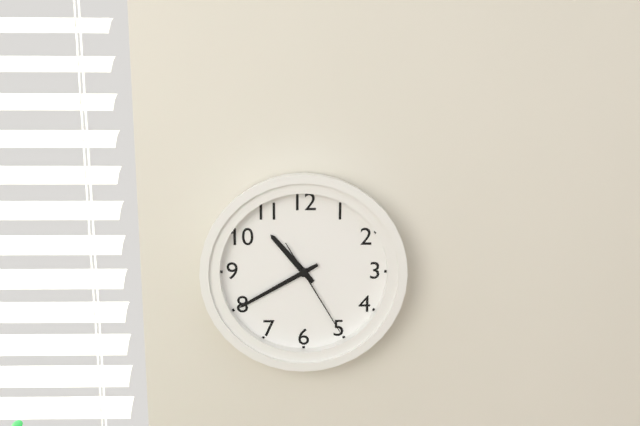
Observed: **10:40:25**
